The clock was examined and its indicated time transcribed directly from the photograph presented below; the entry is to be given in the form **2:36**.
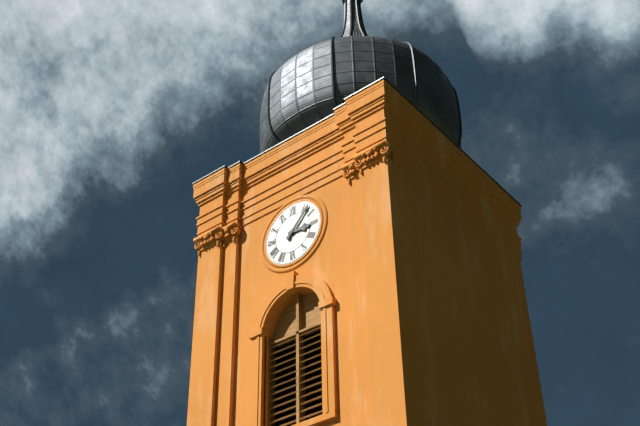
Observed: **3:07**
